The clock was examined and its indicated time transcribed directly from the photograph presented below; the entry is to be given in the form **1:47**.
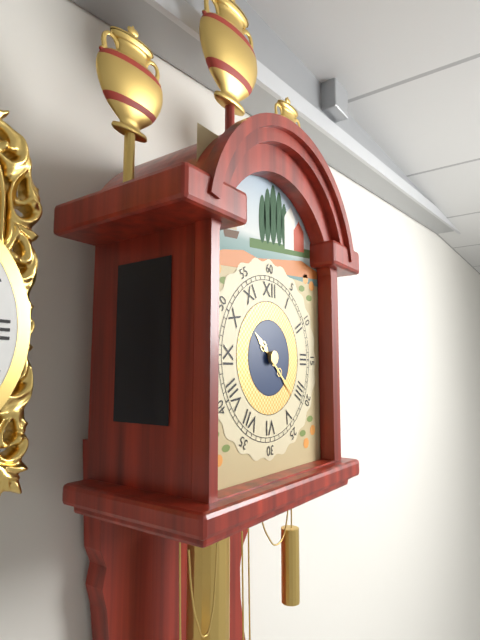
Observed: **10:22**
